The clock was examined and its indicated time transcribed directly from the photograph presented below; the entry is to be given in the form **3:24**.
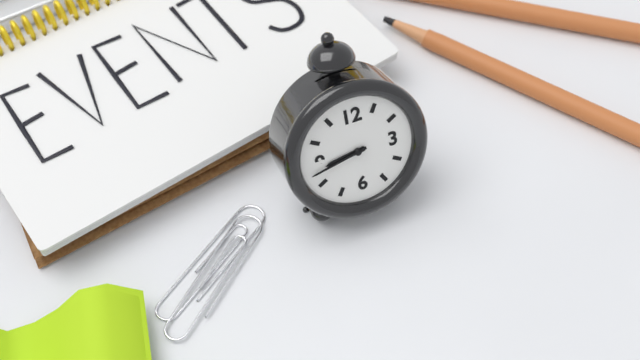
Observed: **8:43**
